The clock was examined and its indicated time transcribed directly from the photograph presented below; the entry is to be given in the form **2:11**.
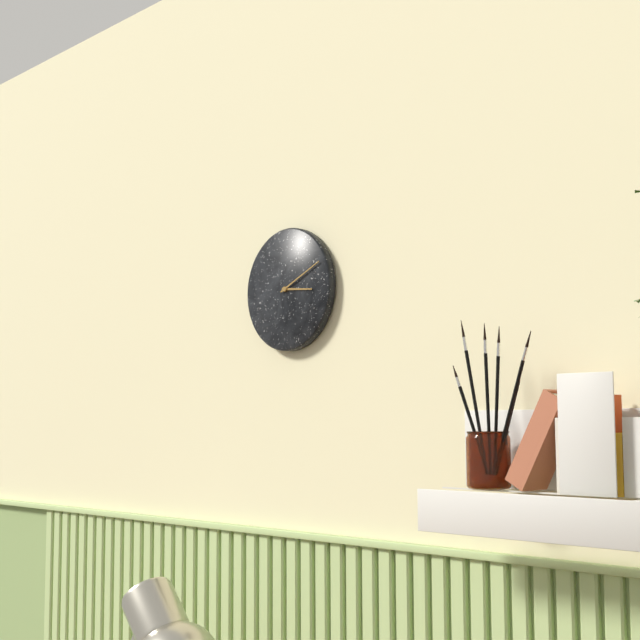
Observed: **3:11**
